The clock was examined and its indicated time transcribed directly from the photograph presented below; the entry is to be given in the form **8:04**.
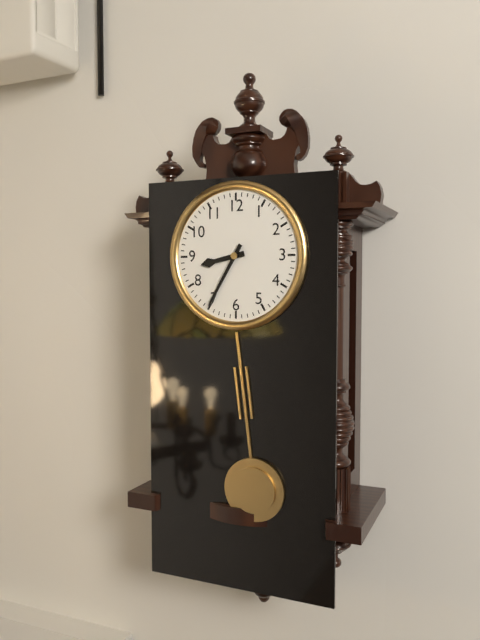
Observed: **8:35**
